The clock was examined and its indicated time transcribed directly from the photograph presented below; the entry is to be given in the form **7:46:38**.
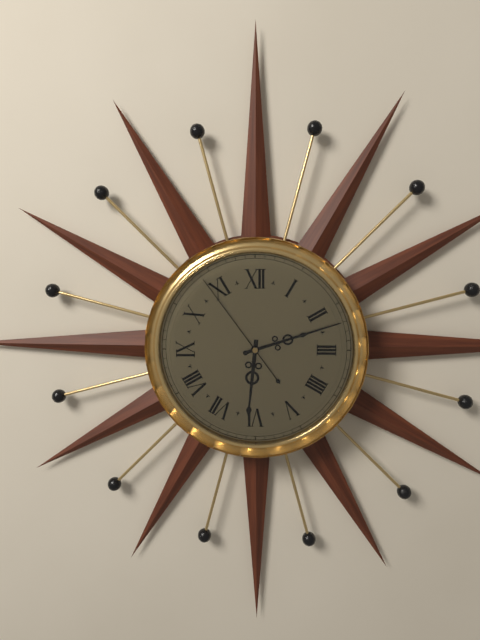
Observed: **6:12:54**
